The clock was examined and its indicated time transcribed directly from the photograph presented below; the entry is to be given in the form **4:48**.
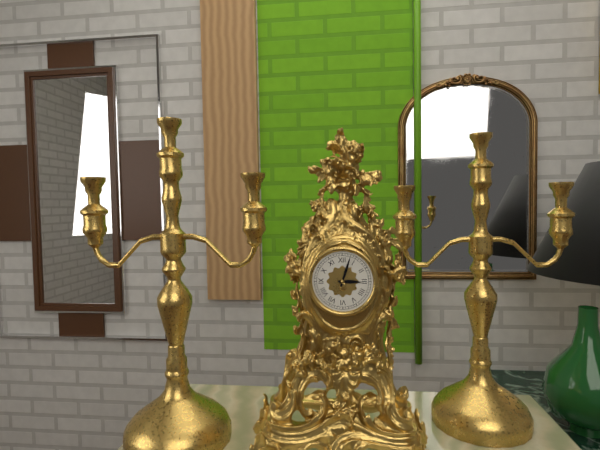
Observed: **3:03**
